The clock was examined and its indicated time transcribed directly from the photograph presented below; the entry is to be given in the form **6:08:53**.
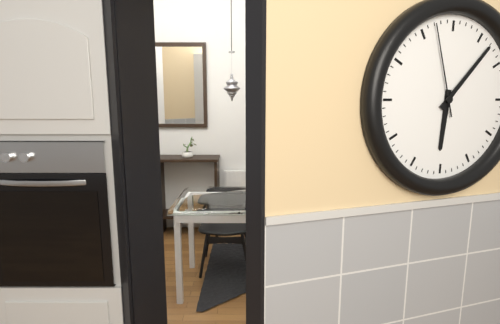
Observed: **6:07:57**
